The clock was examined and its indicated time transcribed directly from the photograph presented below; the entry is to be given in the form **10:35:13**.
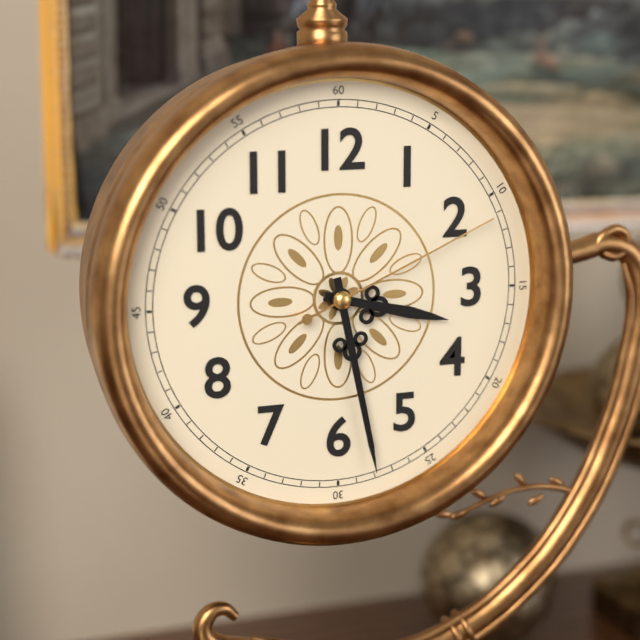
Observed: **3:28:11**
